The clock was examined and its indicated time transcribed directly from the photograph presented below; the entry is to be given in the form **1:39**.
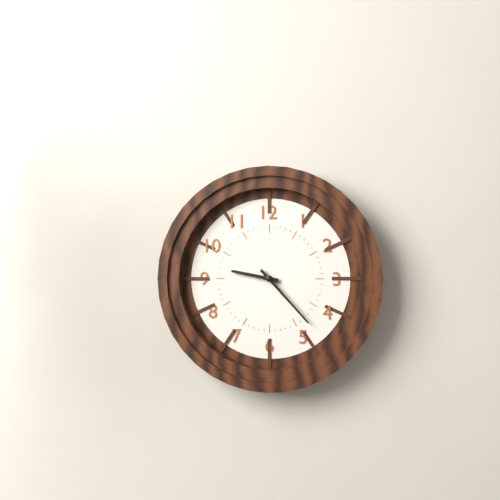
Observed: **9:23**
